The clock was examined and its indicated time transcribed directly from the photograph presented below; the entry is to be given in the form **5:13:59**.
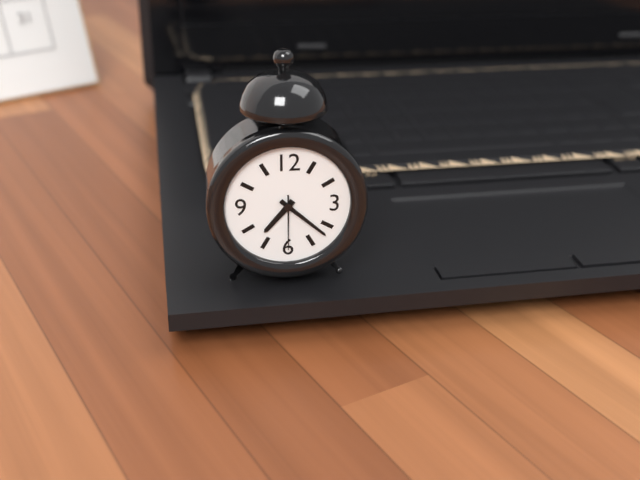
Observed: **7:22:30**
